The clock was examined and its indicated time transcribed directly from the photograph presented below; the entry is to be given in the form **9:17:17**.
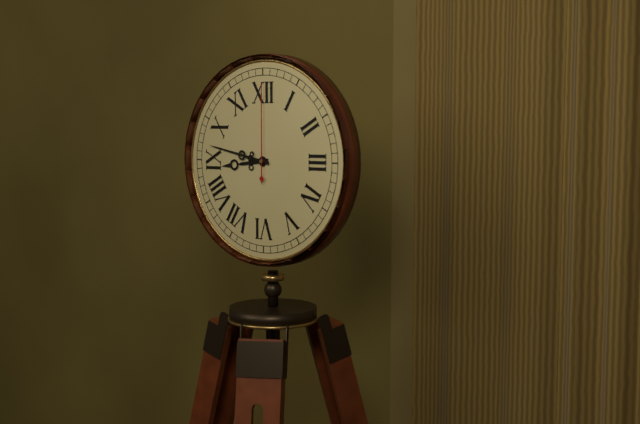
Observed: **8:47:00**
